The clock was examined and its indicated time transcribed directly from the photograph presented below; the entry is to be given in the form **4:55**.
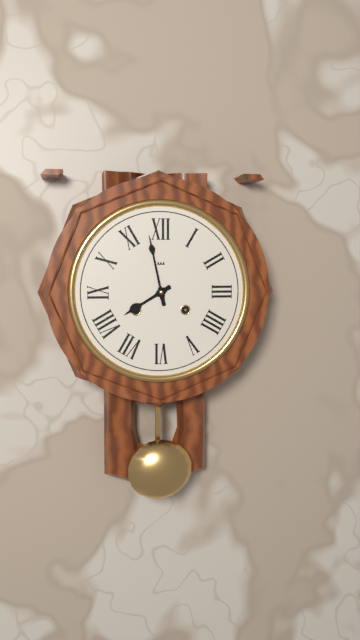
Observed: **7:58**
